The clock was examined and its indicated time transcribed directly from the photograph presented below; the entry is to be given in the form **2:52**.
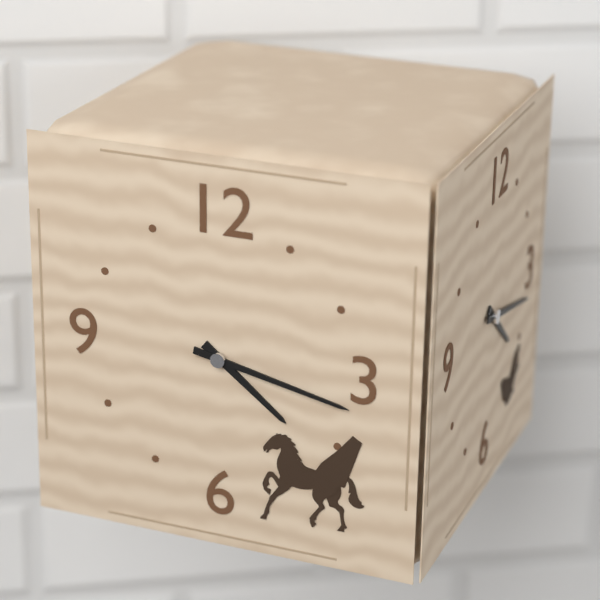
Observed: **4:17**
